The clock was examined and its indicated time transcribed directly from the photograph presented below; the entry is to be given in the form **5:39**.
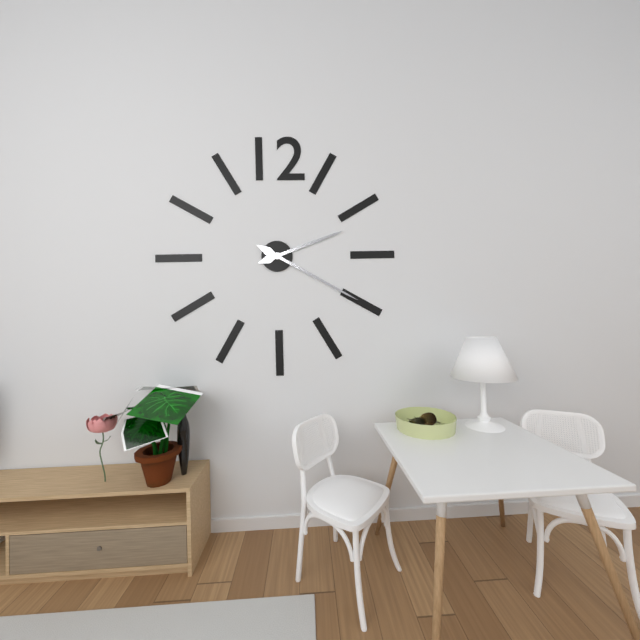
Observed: **2:20**
